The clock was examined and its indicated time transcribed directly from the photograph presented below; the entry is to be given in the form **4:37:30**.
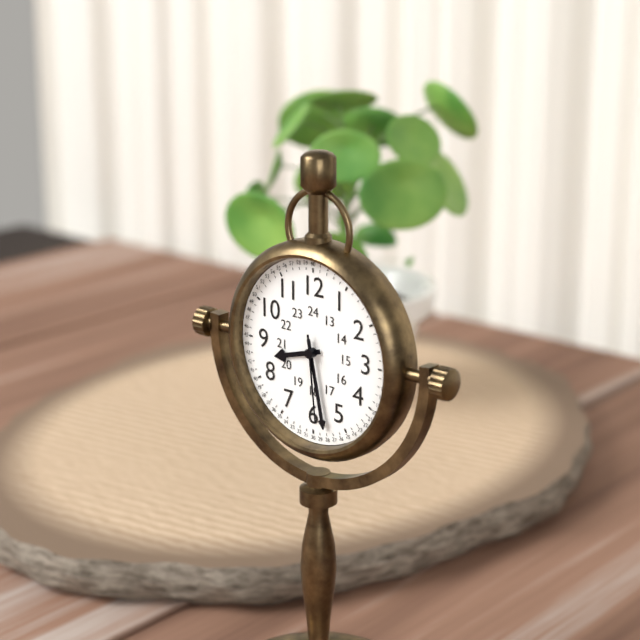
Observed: **8:28:29**
